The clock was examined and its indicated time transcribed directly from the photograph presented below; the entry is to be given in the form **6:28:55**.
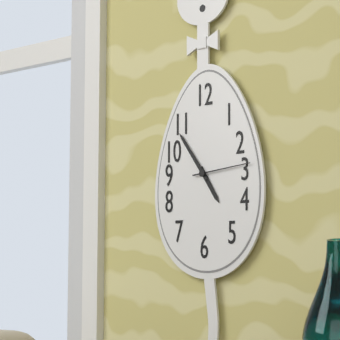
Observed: **4:54:14**
